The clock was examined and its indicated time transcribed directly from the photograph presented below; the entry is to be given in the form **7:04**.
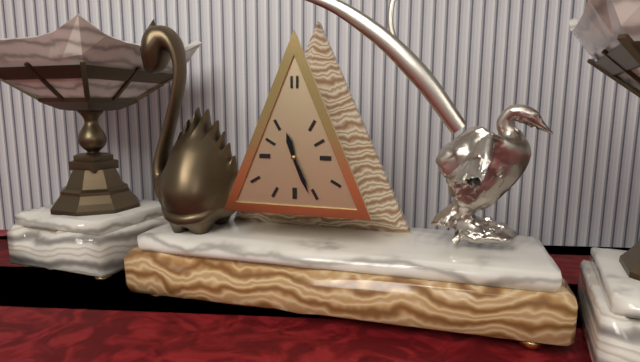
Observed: **11:26**
